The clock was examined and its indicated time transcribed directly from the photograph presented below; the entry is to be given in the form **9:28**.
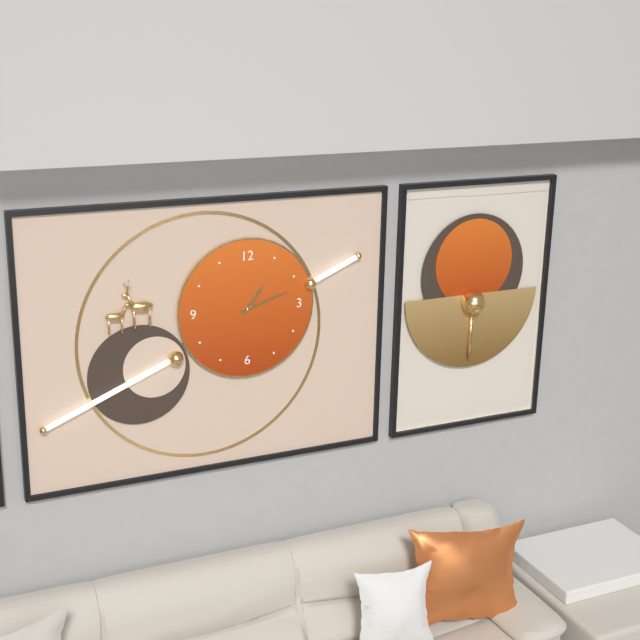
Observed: **1:12**
